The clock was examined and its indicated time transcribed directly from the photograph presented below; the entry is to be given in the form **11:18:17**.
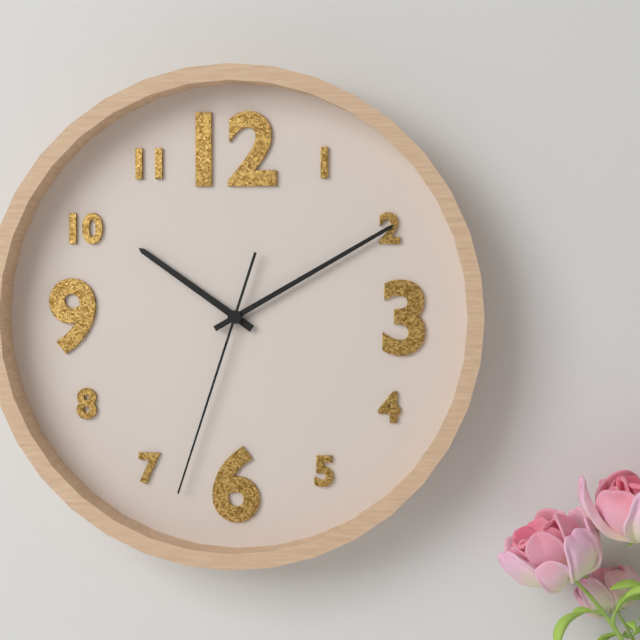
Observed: **10:10:33**
